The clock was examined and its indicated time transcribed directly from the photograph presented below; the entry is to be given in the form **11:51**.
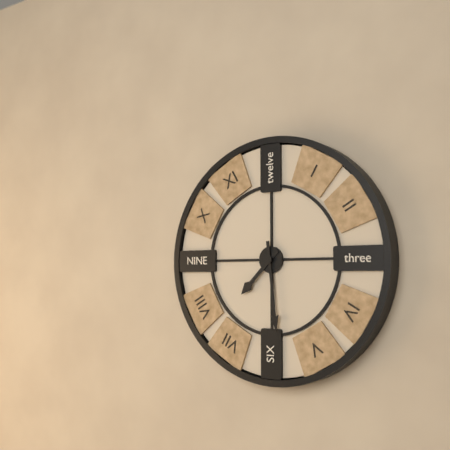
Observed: **7:29**
